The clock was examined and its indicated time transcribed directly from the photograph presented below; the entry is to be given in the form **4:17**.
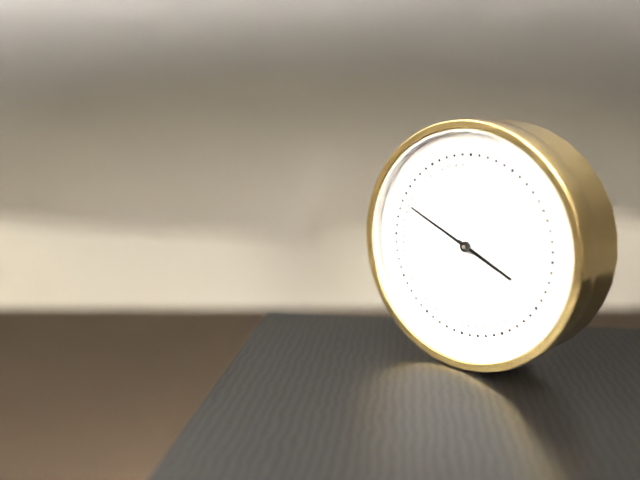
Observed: **3:49**
